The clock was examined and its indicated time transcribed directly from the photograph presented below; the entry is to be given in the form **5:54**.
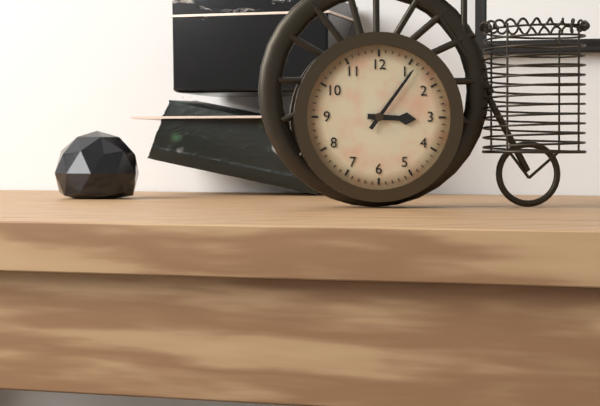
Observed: **3:06**
